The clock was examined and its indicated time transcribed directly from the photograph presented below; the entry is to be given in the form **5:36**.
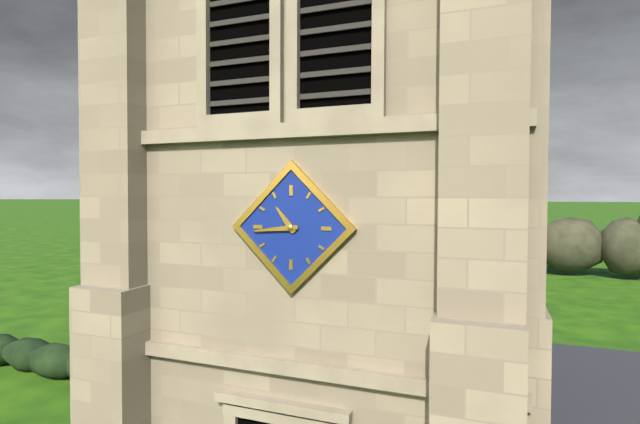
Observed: **10:44**
